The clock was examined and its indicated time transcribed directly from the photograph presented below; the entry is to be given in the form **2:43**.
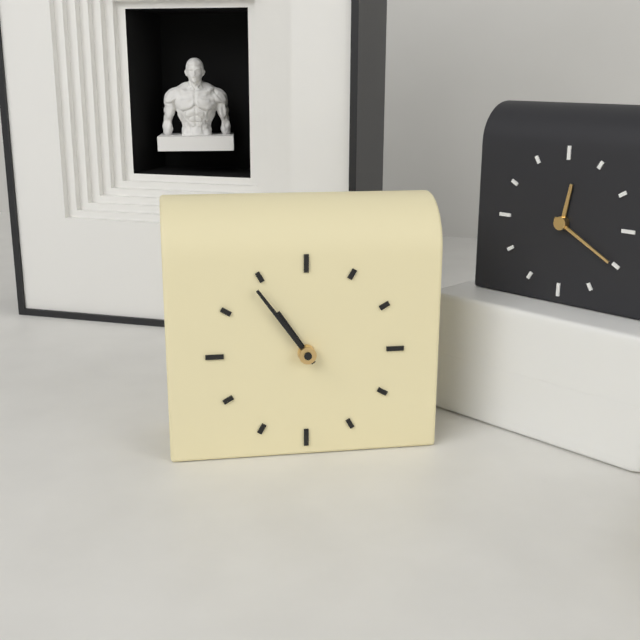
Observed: **10:54**
